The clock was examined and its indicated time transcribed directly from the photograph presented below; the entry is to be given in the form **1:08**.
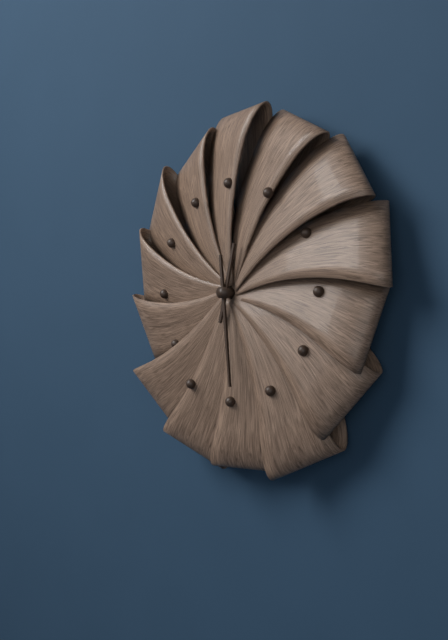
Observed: **12:29**
